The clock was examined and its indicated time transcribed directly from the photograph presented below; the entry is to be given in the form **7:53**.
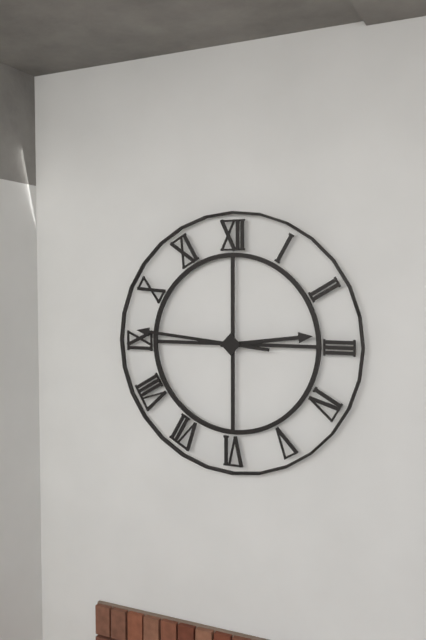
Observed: **2:46**
